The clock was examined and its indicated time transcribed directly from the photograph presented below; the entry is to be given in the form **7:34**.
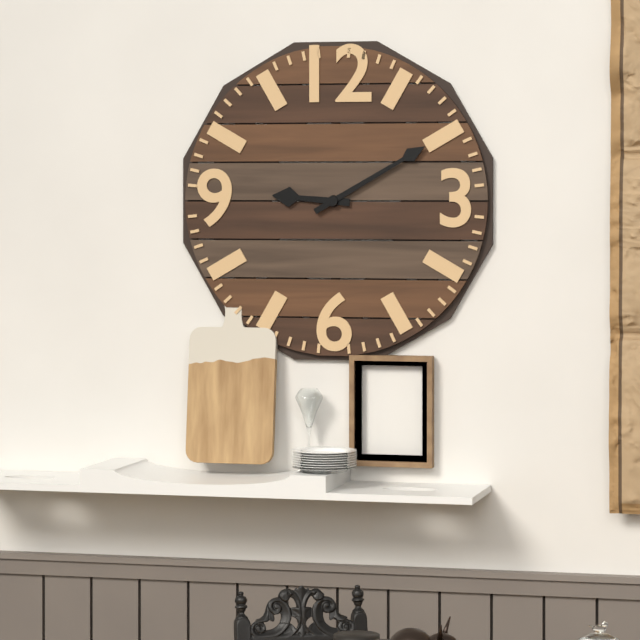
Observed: **9:10**
